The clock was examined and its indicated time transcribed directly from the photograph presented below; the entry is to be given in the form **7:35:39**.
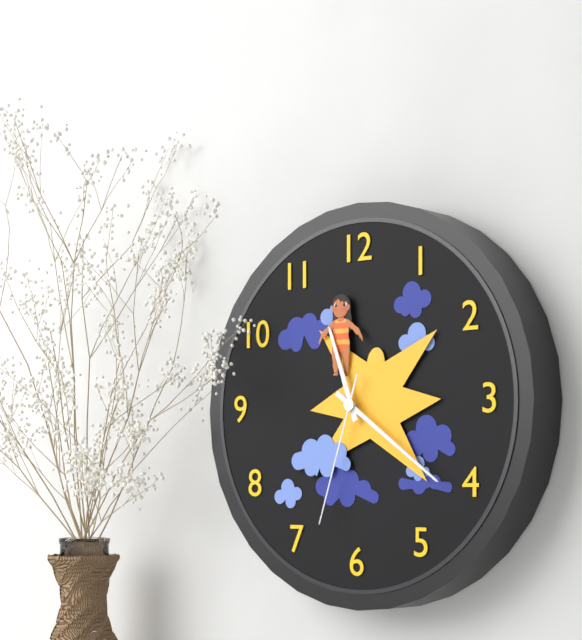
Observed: **11:21:33**
